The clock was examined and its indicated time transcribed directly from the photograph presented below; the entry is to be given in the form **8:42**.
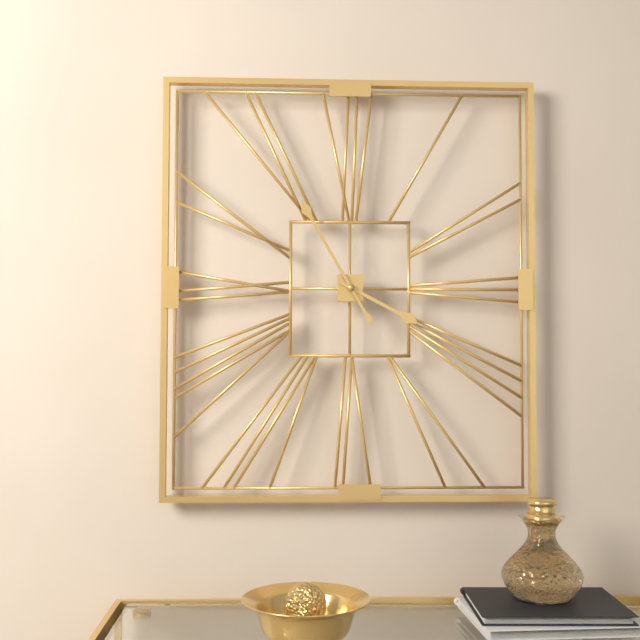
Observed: **3:55**
